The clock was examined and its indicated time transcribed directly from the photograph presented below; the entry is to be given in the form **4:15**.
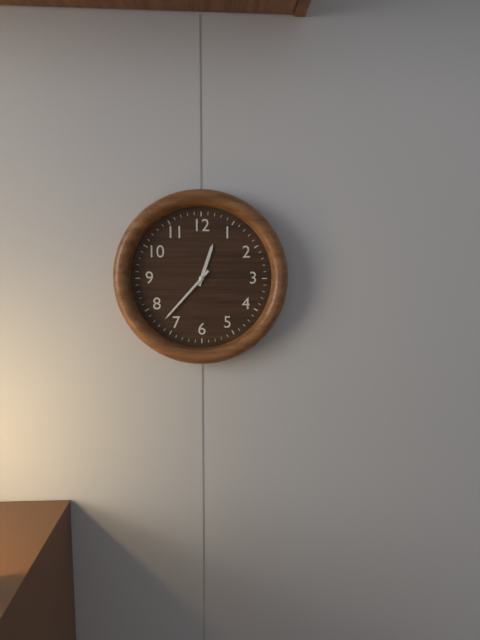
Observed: **12:37**
